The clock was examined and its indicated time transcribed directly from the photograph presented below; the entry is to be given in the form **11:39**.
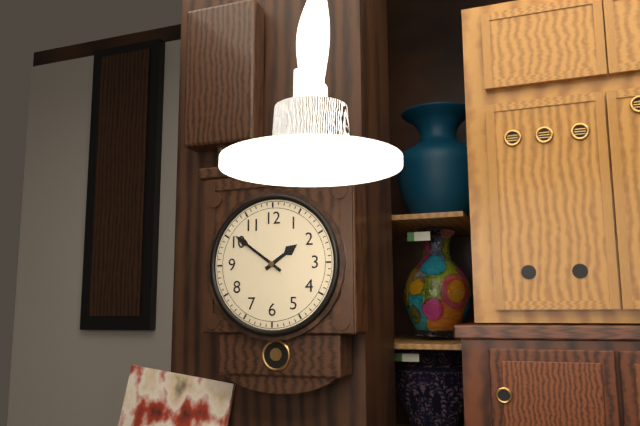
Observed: **1:51**
